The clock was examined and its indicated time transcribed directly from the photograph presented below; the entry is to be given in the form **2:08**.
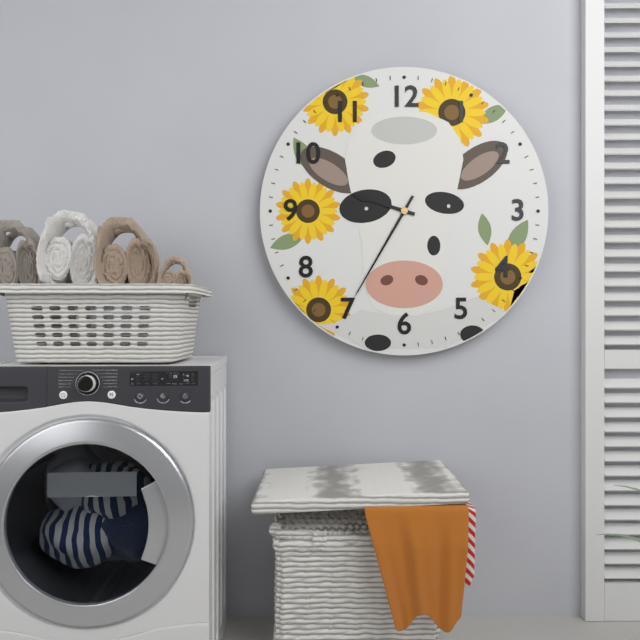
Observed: **9:35**
